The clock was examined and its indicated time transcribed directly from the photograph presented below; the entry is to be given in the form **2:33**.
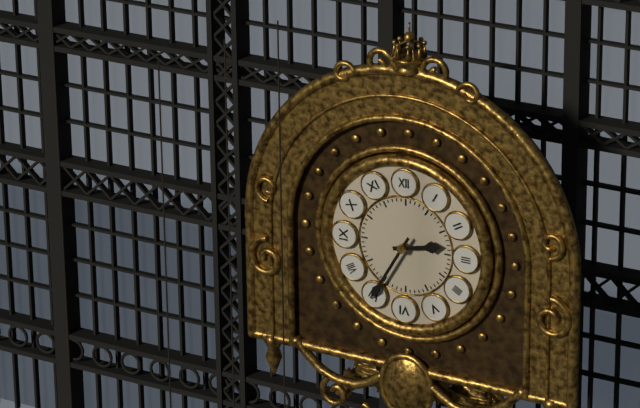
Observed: **2:35**
